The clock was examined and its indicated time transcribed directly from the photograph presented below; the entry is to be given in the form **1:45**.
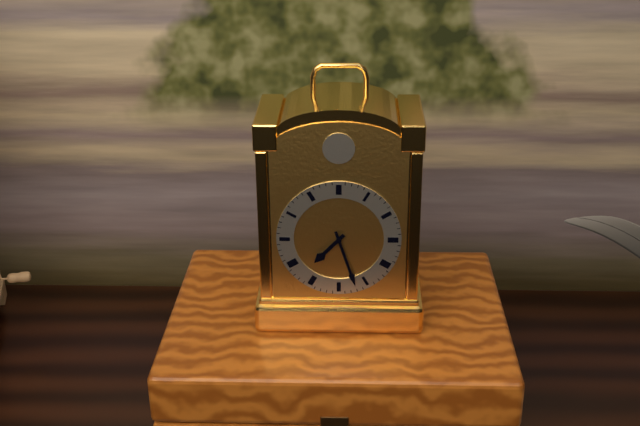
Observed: **7:27**
